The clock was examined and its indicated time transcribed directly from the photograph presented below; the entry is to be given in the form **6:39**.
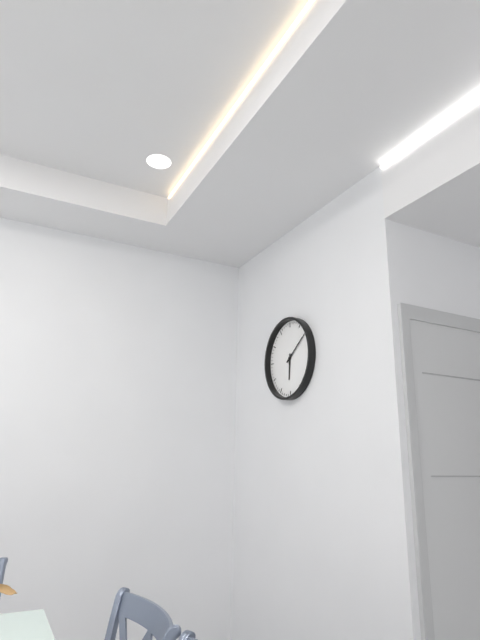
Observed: **6:09**
